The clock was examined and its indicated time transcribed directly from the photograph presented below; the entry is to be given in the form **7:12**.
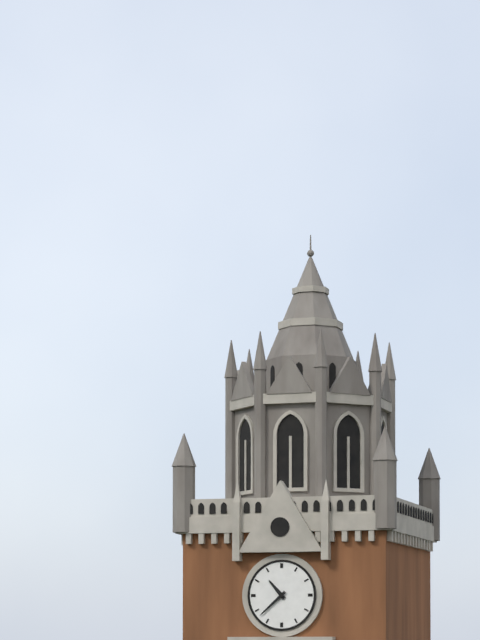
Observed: **10:38**
